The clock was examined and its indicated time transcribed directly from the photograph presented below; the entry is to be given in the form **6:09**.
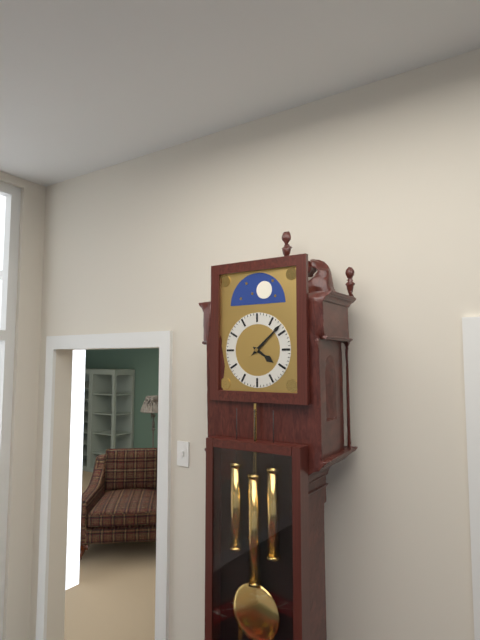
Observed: **4:08**
